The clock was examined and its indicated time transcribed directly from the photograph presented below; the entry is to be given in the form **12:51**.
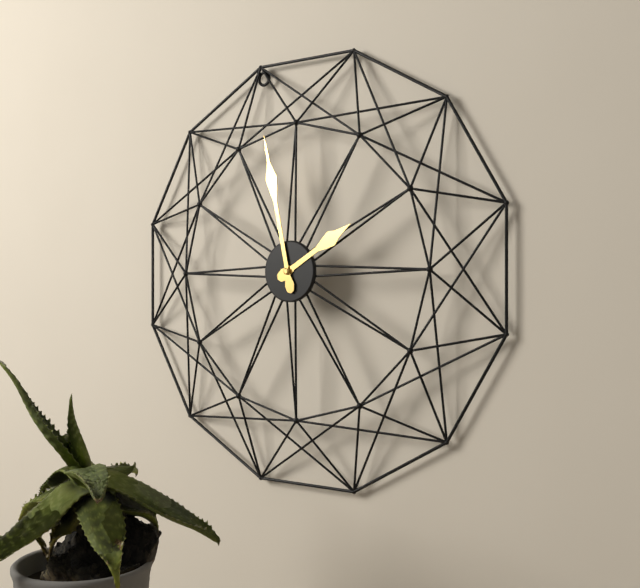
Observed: **1:58**
